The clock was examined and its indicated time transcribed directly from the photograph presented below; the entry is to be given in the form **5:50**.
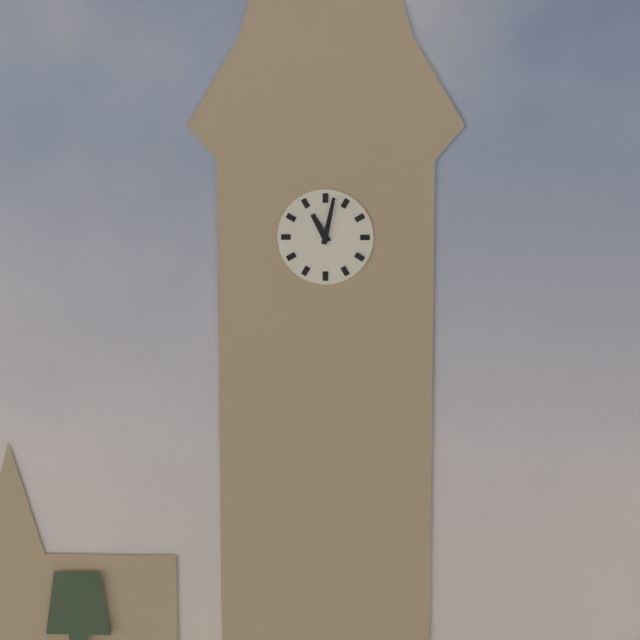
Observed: **11:02**
